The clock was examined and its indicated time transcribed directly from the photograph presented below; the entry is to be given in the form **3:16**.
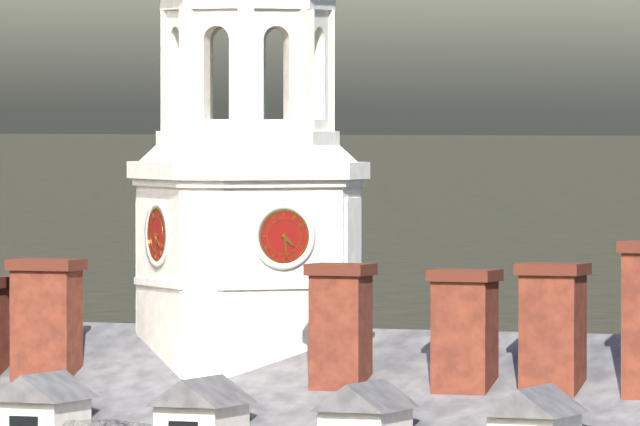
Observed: **4:29**
